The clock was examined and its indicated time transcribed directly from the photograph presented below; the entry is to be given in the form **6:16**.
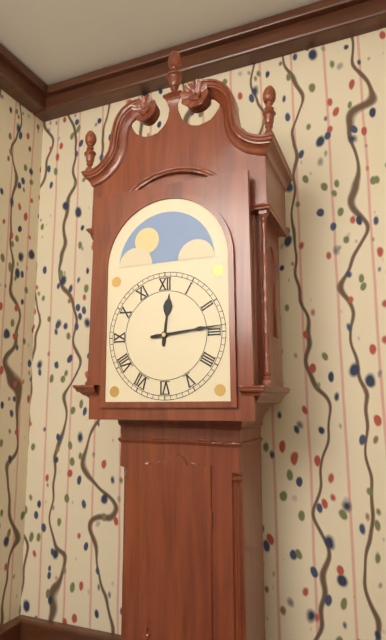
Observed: **12:14**
